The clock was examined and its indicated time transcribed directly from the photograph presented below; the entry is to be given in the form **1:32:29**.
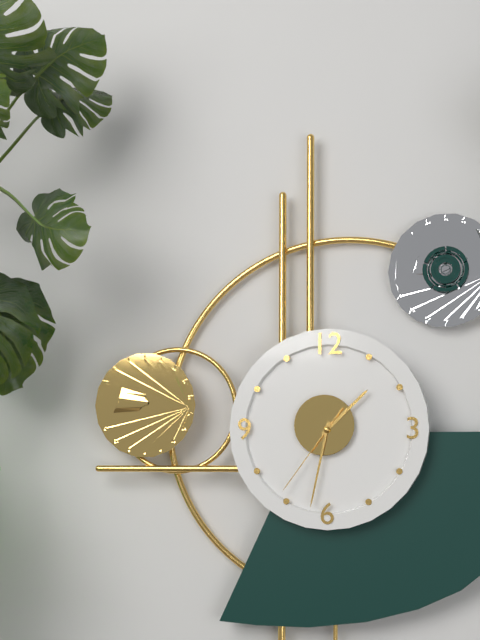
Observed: **1:32:36**
